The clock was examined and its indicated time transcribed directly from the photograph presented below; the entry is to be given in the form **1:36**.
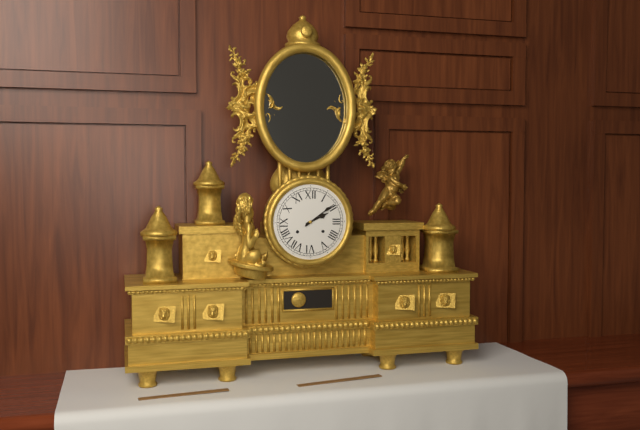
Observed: **2:09**
